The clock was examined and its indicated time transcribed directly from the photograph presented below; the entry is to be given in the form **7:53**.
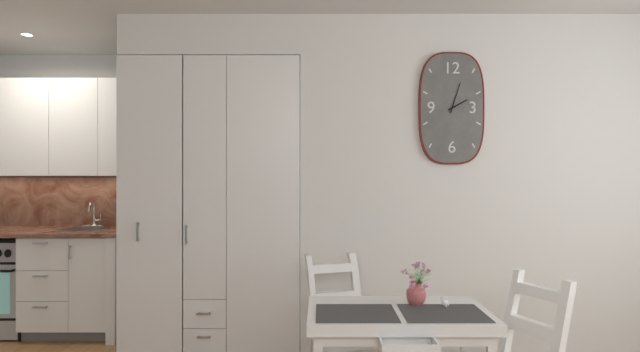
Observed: **2:03**
